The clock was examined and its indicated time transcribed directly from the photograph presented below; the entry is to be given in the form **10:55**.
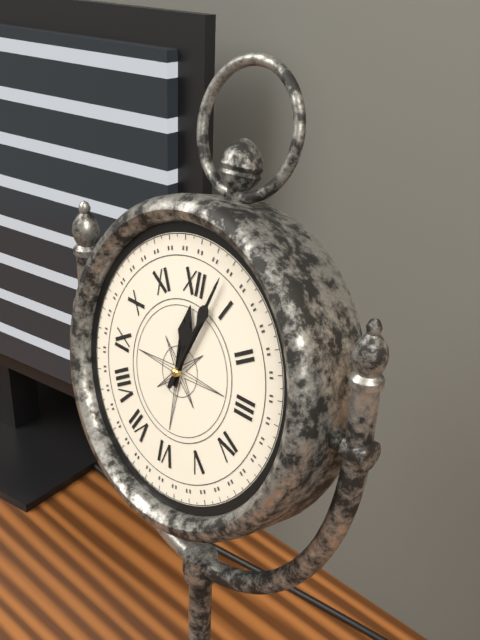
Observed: **12:03**
